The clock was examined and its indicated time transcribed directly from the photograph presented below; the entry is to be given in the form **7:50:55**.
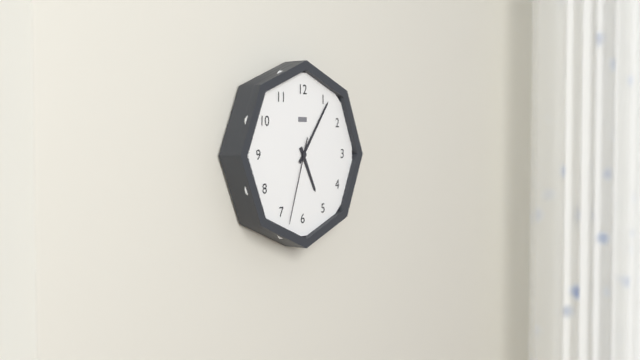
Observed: **5:06:33**
